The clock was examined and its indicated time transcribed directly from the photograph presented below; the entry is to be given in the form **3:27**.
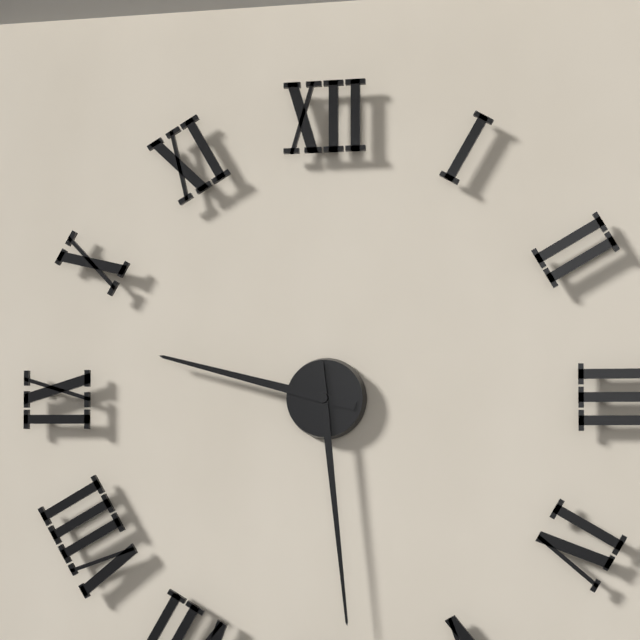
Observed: **9:29**
